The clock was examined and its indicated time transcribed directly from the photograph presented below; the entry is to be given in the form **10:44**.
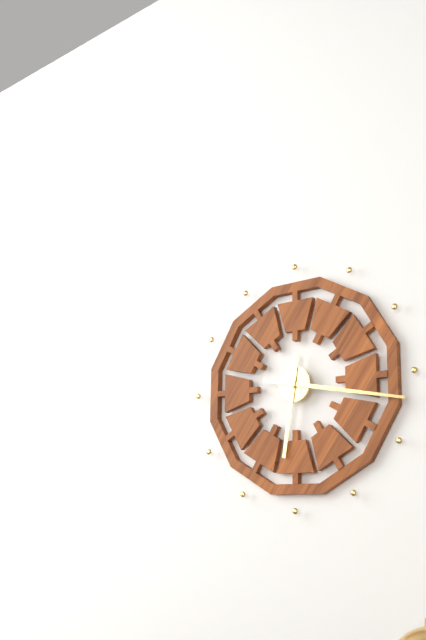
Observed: **6:17**
